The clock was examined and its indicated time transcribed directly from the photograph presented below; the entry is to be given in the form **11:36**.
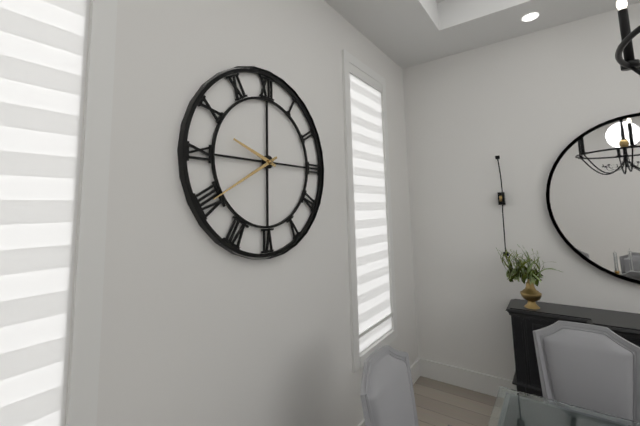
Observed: **9:40**
